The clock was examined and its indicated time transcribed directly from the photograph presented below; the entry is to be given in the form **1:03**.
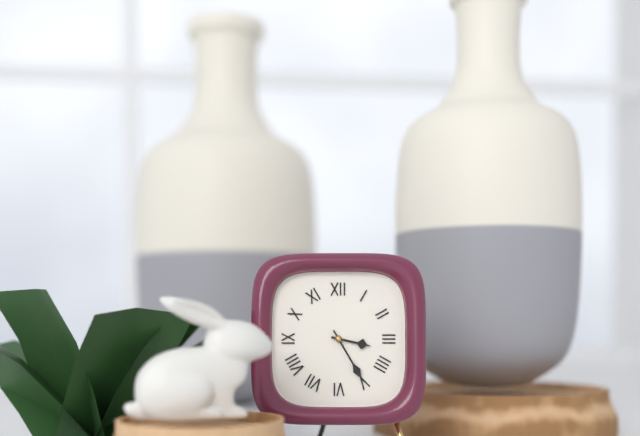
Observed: **3:25**
